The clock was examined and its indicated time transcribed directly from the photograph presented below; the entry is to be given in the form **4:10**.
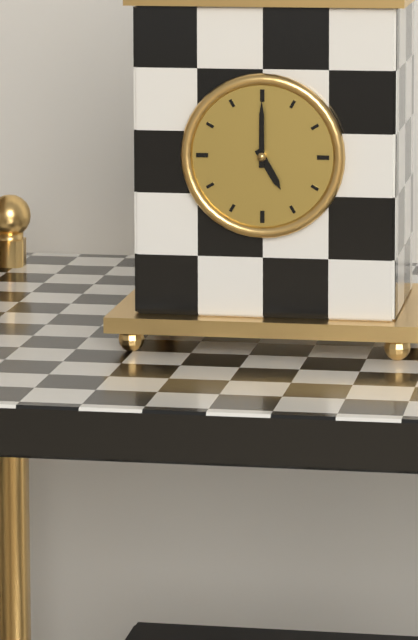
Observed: **5:00**
